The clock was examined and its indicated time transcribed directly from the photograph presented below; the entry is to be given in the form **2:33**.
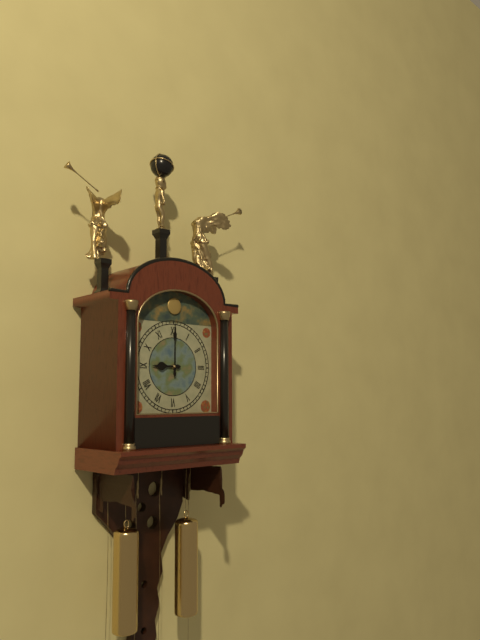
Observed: **9:00**
